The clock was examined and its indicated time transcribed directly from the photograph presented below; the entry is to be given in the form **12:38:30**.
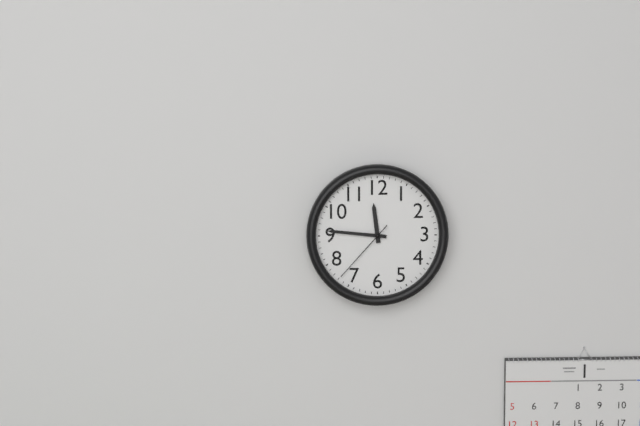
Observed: **11:46:37**
